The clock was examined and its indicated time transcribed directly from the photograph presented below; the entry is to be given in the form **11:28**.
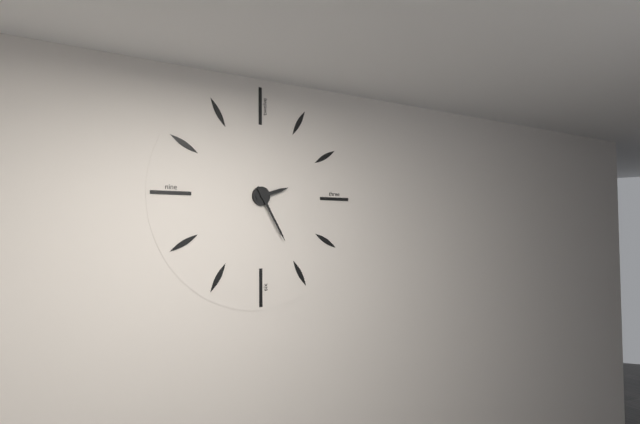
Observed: **2:25**
